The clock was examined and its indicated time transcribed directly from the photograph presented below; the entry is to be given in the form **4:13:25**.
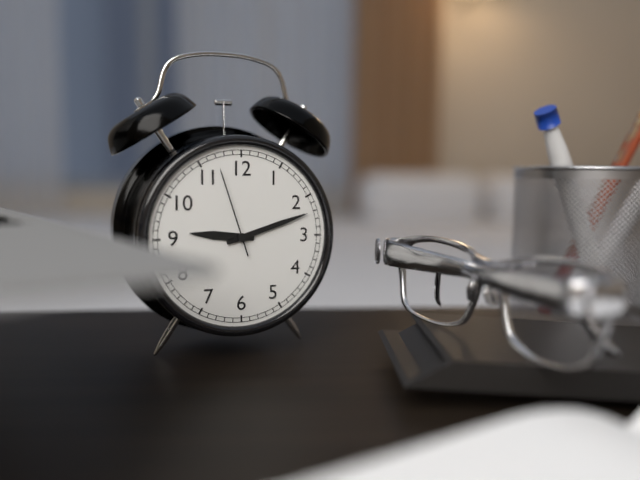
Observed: **9:12:57**
